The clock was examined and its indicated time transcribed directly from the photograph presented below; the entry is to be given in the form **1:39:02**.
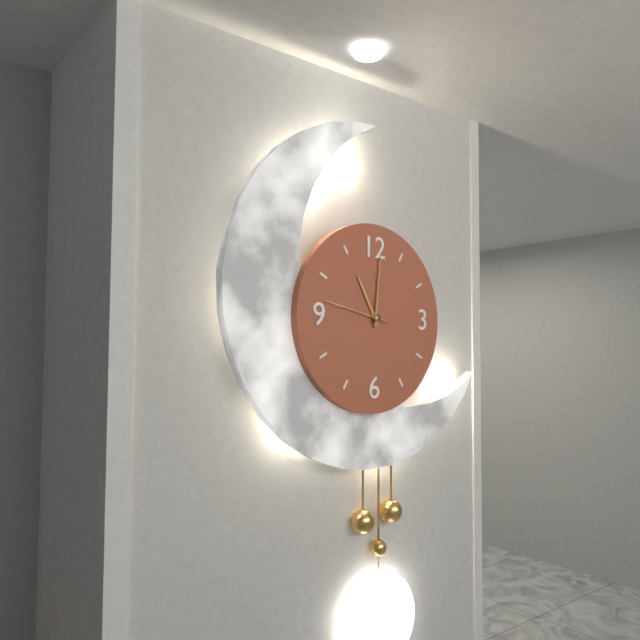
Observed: **11:01:47**
